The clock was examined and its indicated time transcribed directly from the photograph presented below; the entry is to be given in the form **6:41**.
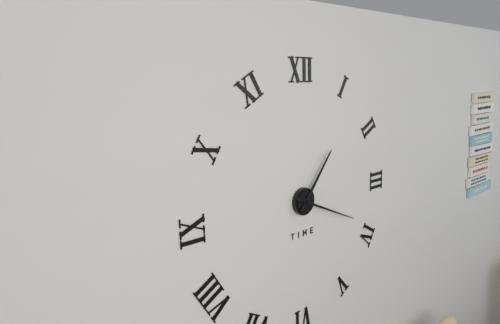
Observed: **1:19**
